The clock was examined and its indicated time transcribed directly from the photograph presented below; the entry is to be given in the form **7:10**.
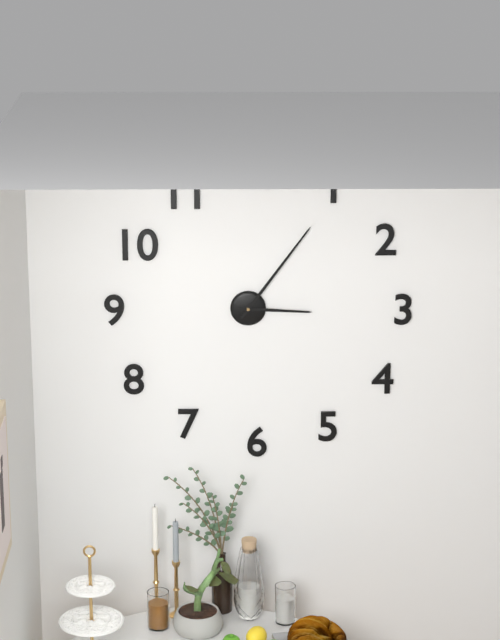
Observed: **3:06**
